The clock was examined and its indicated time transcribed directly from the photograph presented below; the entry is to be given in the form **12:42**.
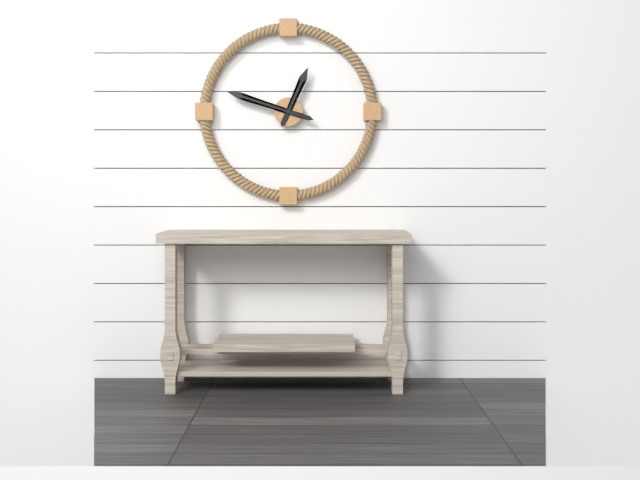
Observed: **12:48**
